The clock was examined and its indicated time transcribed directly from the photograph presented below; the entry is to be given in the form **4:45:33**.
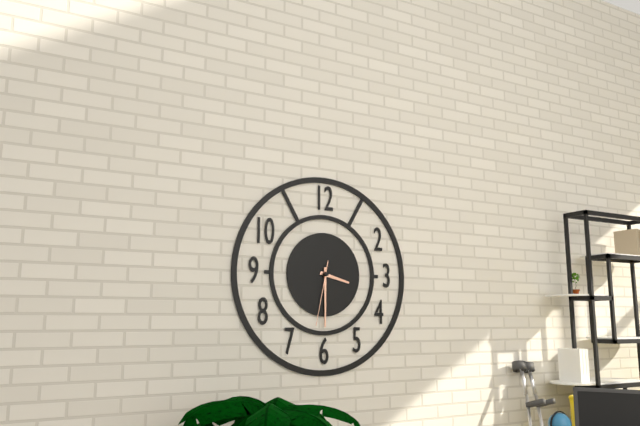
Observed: **3:30:32**
